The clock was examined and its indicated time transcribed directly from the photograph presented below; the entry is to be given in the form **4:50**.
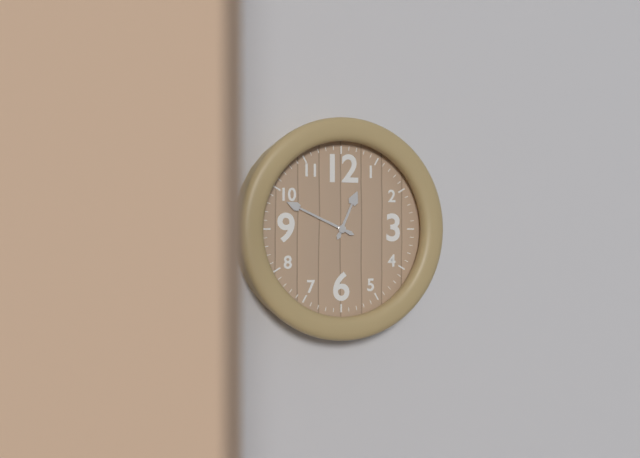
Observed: **12:49**
